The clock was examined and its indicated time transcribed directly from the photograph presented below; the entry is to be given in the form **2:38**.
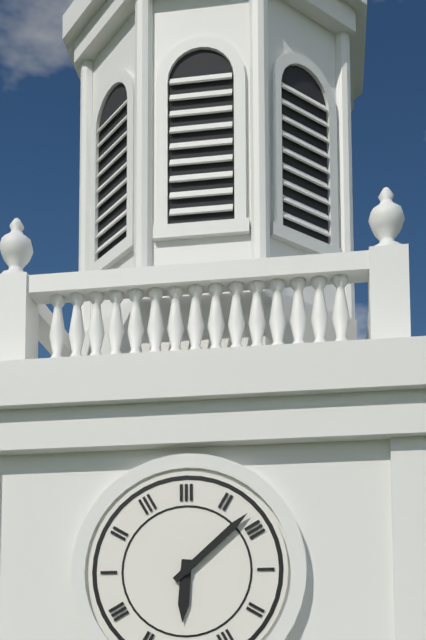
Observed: **6:08**
